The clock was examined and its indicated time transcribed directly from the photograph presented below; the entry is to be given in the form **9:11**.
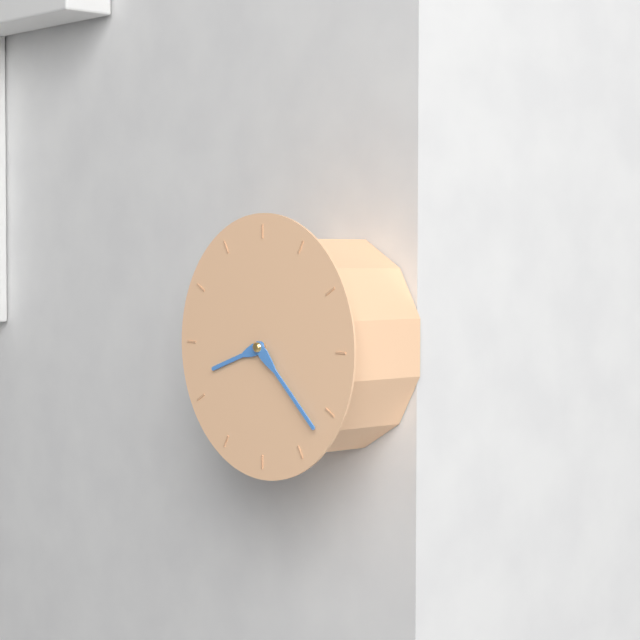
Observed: **8:22**
